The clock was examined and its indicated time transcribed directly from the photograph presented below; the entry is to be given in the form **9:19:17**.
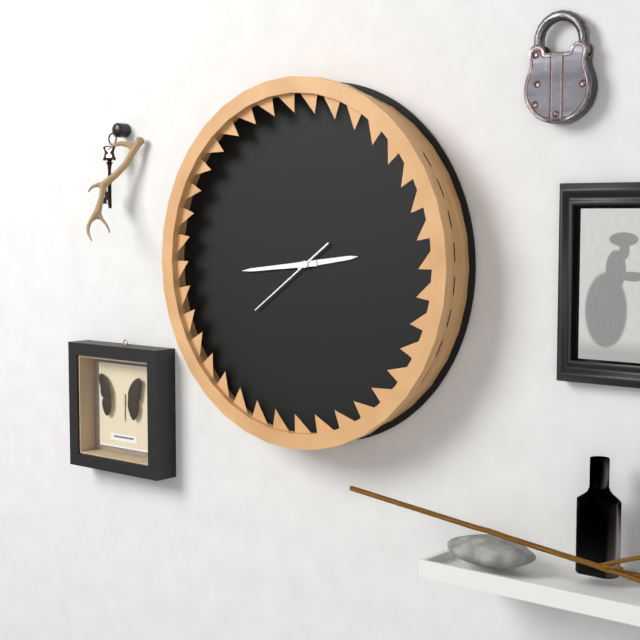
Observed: **2:44:39**
